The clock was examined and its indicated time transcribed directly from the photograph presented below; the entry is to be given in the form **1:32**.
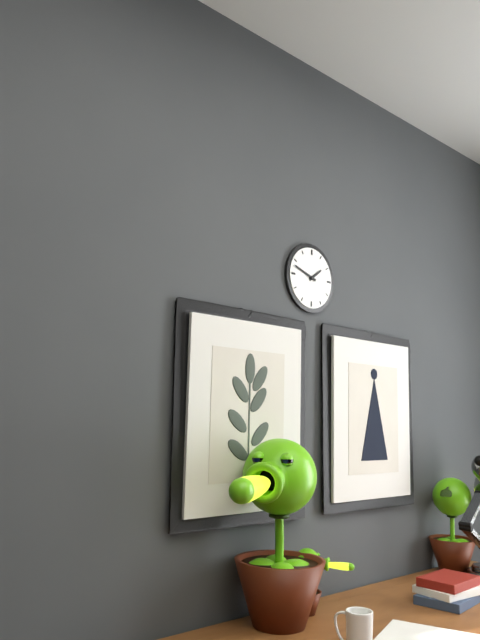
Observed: **1:48**
